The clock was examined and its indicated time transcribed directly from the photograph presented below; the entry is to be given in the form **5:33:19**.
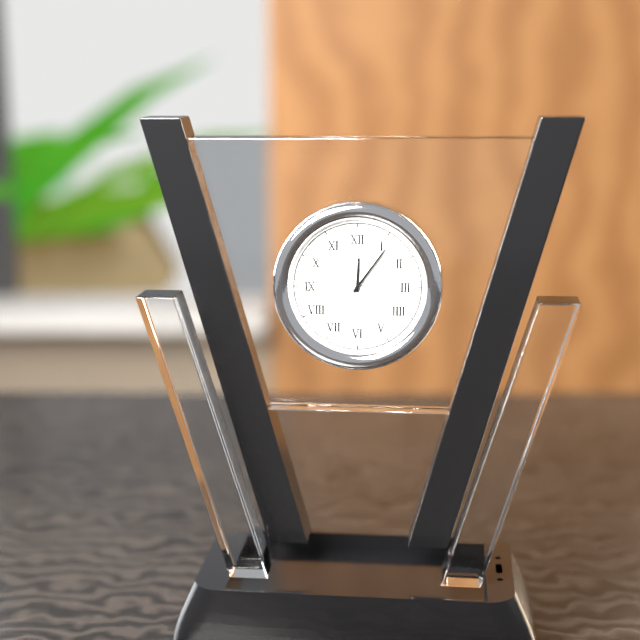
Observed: **12:06:12**
